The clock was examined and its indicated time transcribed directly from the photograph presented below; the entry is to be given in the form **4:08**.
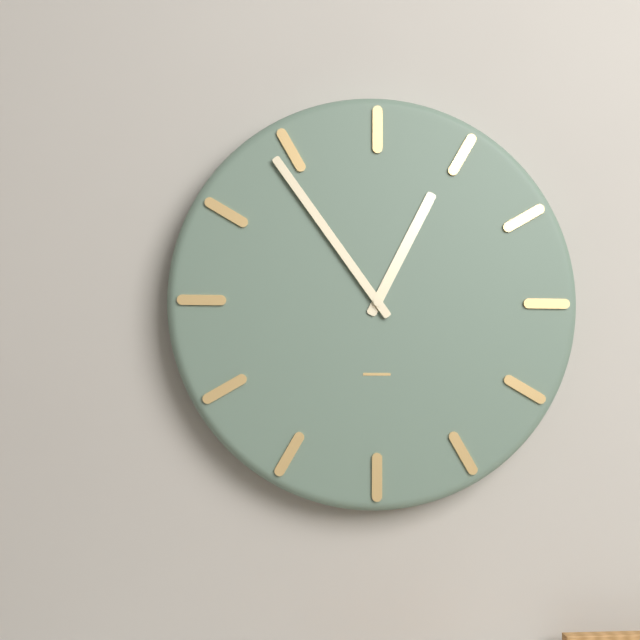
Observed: **12:54**
